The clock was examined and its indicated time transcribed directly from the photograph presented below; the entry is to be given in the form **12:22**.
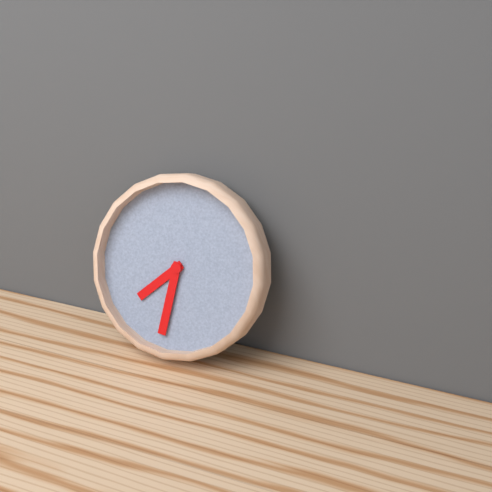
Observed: **7:31**
